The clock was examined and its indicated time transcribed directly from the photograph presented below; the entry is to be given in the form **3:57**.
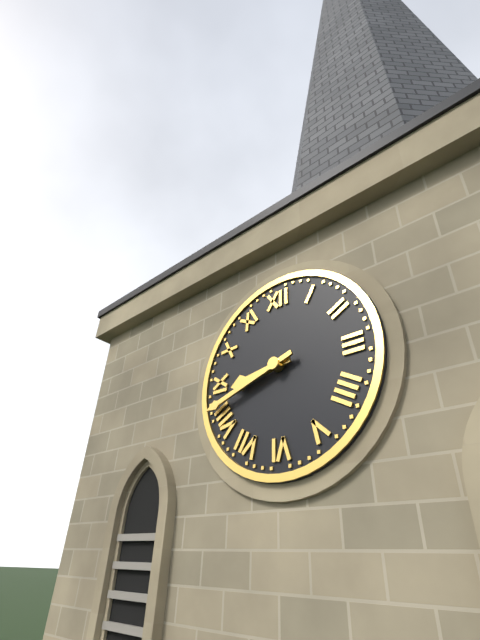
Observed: **8:42**
